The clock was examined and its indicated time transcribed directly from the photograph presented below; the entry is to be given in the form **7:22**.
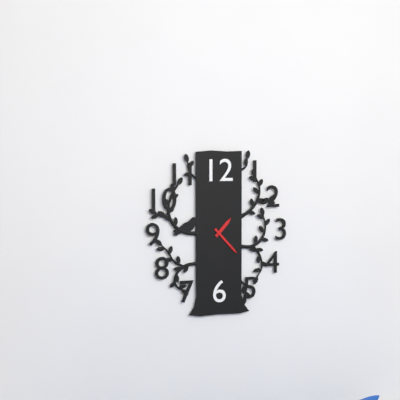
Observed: **1:23**
